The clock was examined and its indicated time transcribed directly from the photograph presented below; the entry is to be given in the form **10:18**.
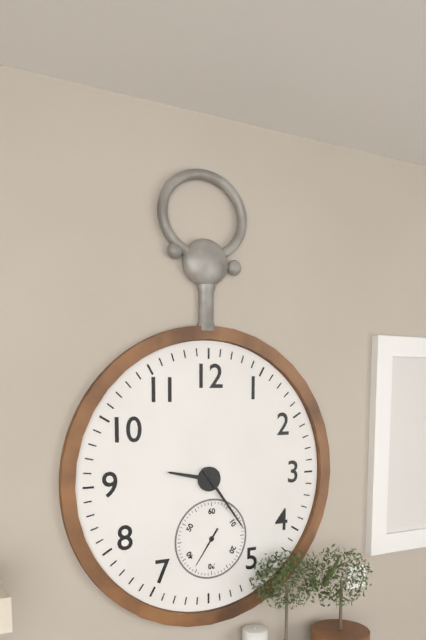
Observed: **9:24**
